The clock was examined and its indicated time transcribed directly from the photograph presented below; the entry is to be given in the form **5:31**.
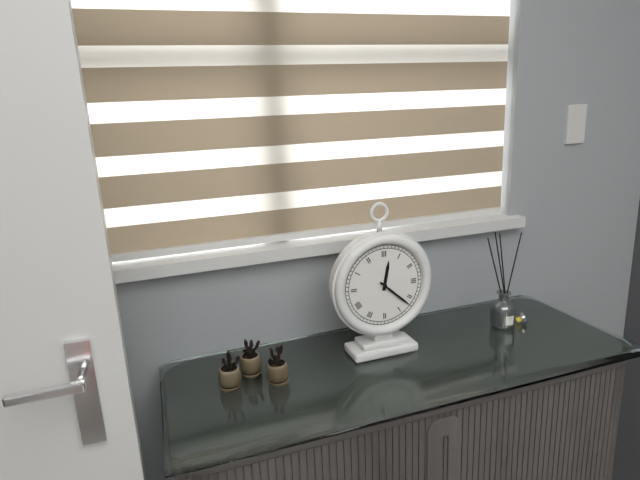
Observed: **12:22**
